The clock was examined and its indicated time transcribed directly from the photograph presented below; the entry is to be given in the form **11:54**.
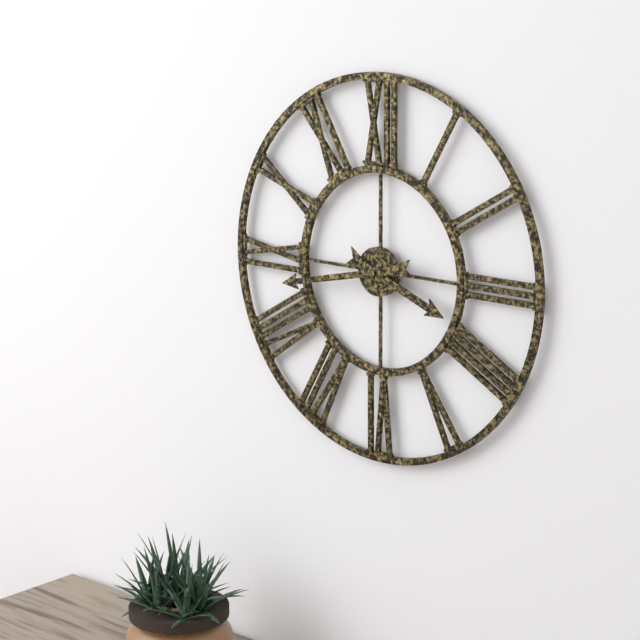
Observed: **3:43**
